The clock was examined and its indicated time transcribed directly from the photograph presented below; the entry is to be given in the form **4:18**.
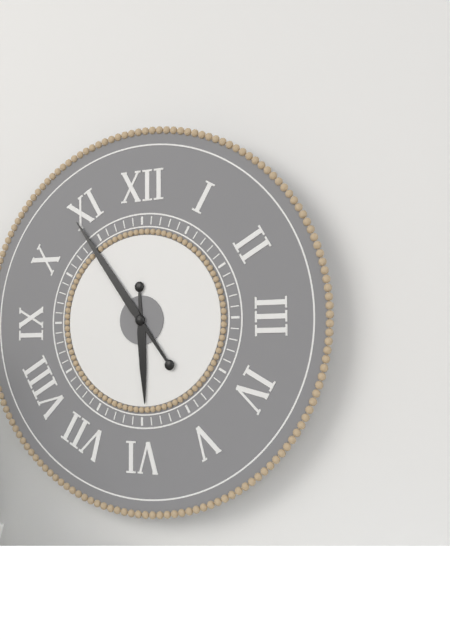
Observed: **5:54**
